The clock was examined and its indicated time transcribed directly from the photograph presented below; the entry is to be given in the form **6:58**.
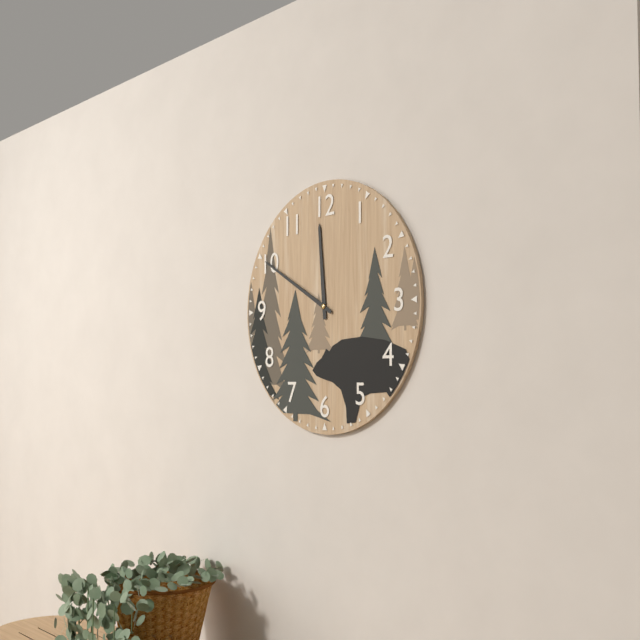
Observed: **11:50**
